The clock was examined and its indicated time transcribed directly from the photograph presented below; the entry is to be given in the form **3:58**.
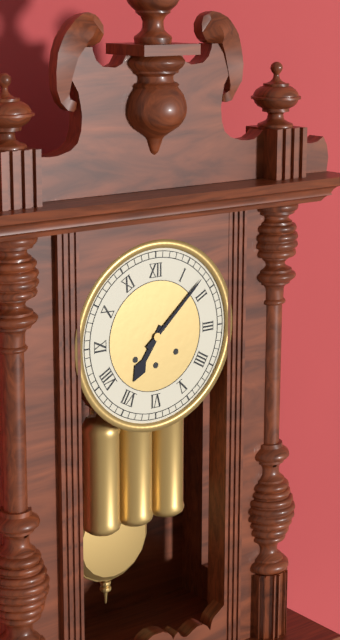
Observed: **7:08**
